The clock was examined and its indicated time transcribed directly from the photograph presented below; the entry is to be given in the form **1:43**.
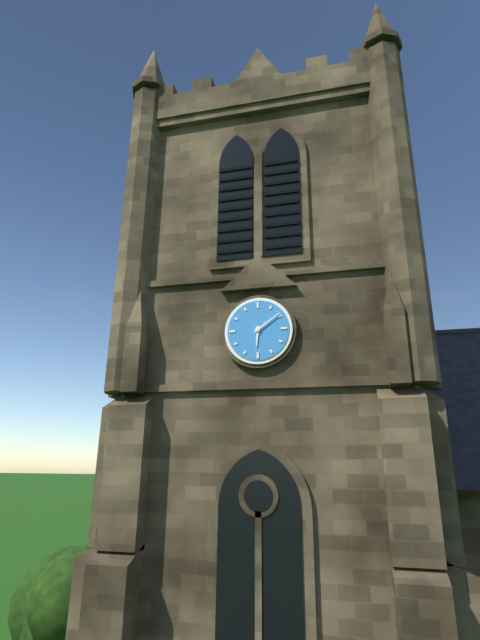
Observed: **6:09**
